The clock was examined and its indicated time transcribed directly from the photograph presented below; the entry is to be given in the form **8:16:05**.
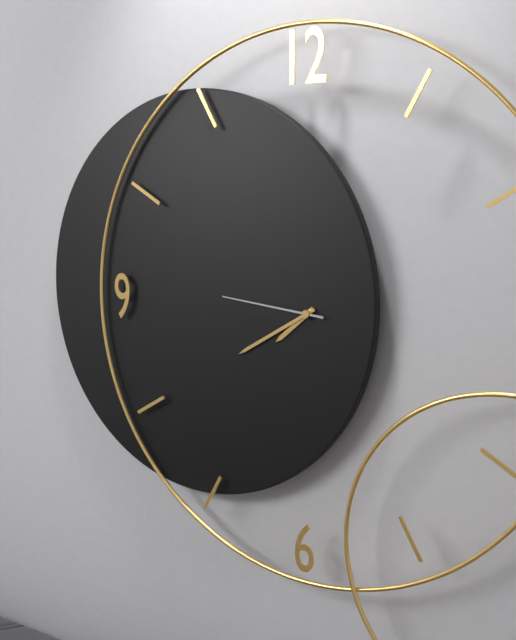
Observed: **7:40:46**
